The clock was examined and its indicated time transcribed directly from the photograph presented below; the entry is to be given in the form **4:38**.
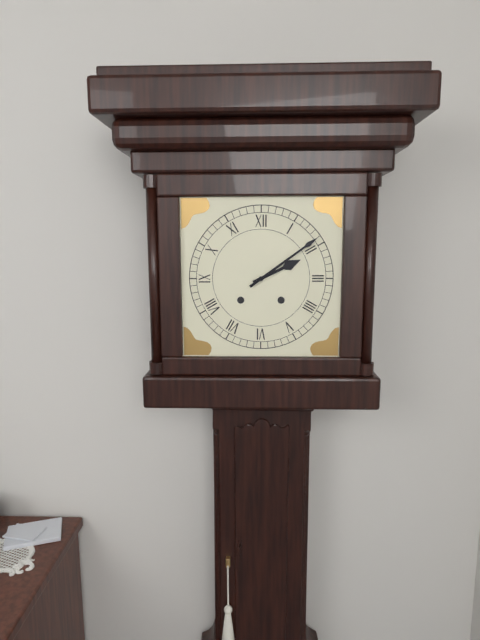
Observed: **2:09**
